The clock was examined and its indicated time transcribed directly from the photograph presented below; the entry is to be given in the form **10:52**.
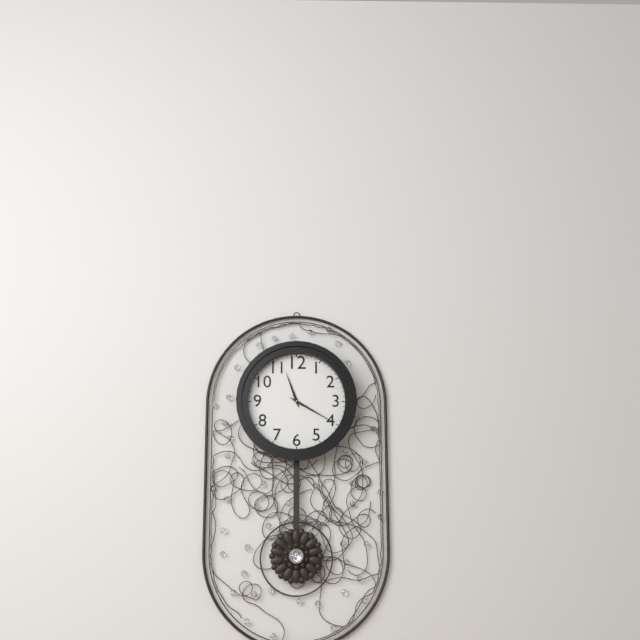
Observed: **11:20**
